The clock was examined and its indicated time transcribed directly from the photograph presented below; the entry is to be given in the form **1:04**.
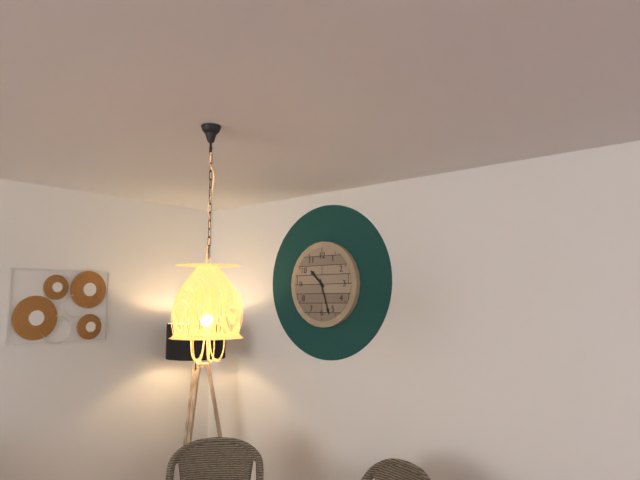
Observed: **10:27**
